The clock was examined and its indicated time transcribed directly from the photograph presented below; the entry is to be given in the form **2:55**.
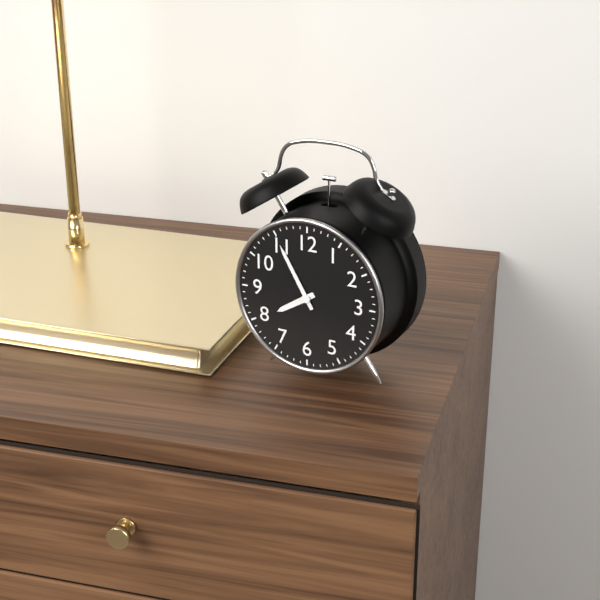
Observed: **7:55**
